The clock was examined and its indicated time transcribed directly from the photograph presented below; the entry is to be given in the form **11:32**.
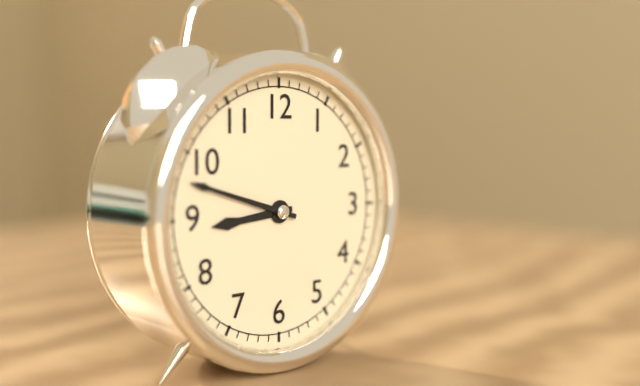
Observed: **8:48**
